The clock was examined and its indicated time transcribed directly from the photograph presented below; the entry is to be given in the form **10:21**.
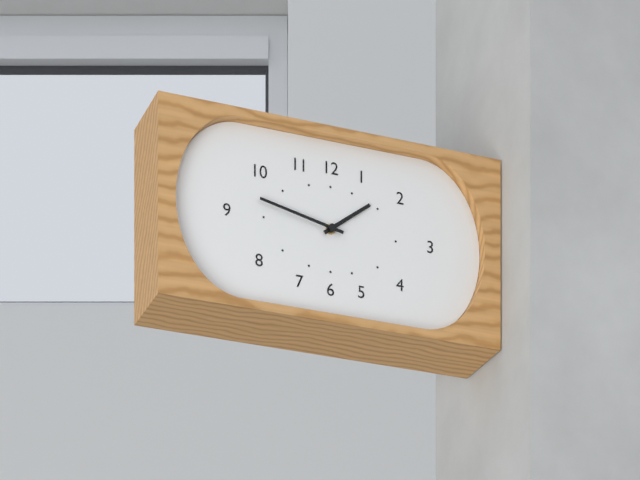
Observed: **1:47**
